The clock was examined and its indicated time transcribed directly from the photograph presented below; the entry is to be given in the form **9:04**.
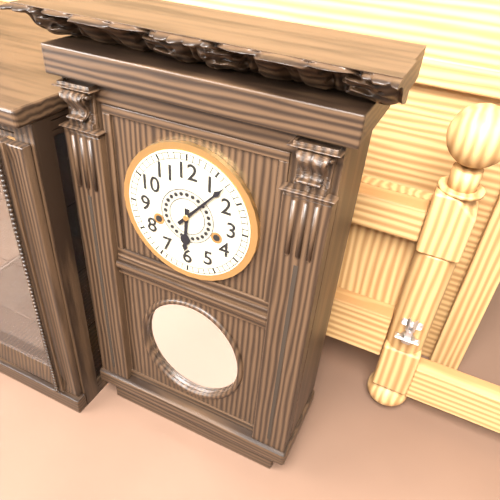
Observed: **6:07**
